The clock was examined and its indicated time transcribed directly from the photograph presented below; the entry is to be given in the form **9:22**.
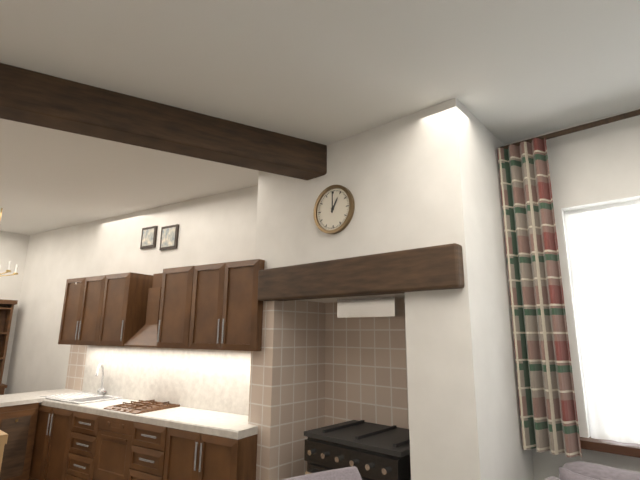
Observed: **1:00**
